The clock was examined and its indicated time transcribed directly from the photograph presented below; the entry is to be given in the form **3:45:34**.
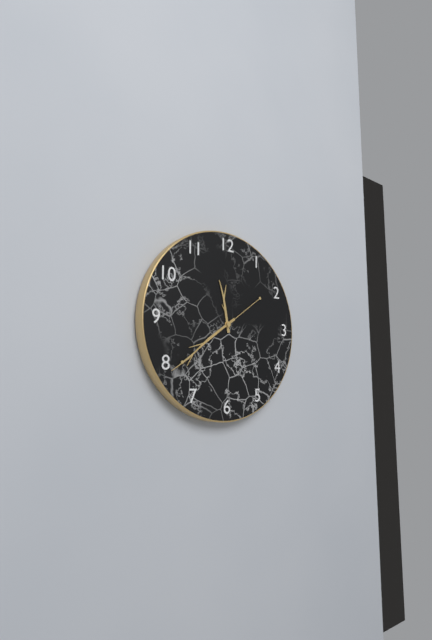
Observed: **11:39:39**
